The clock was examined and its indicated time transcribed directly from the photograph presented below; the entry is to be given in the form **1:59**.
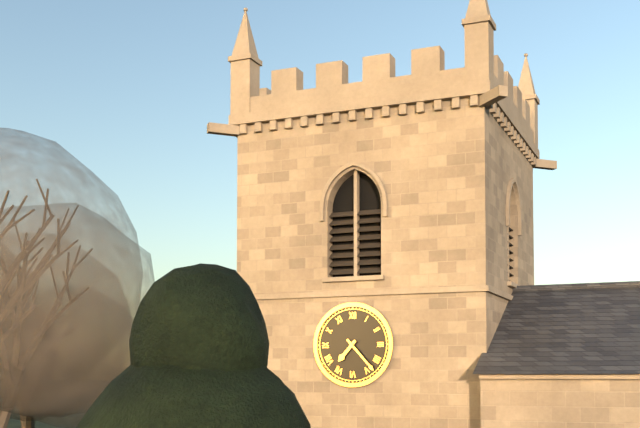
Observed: **7:23**
